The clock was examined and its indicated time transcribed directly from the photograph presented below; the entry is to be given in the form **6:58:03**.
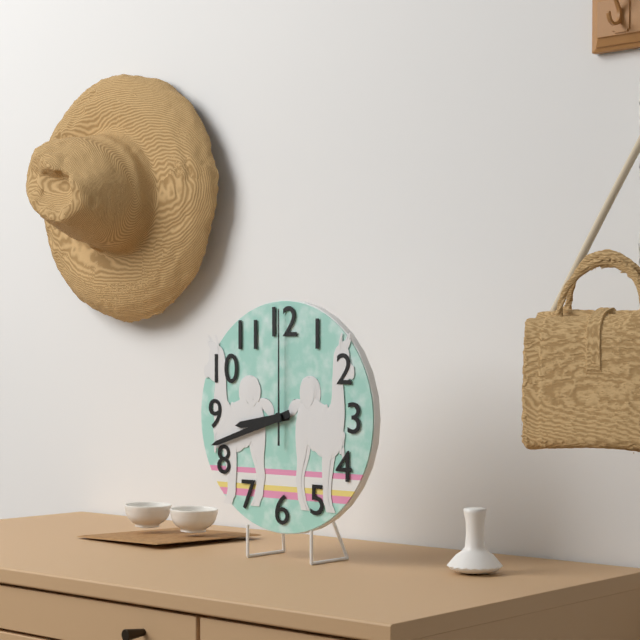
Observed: **8:42:00**
